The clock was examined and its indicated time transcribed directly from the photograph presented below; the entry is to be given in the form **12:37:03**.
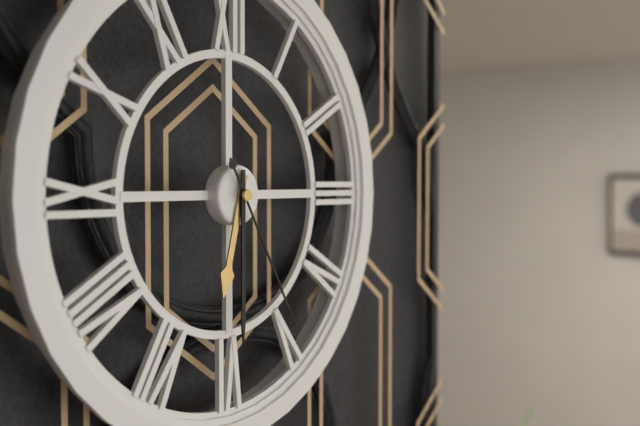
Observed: **6:30:25**
